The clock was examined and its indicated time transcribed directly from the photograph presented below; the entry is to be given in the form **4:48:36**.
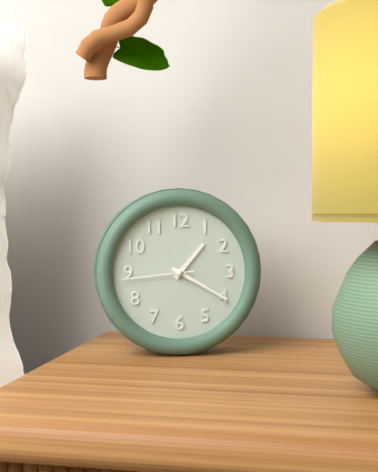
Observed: **1:20:44**
